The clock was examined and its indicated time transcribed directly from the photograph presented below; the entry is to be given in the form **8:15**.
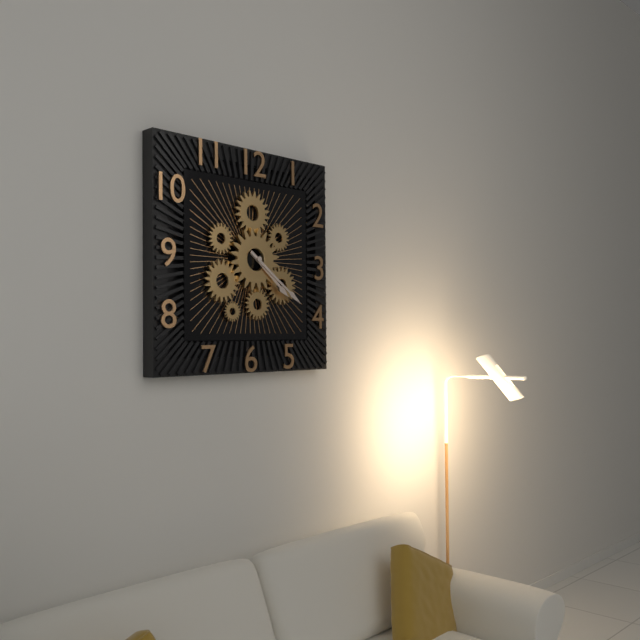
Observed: **4:21**
